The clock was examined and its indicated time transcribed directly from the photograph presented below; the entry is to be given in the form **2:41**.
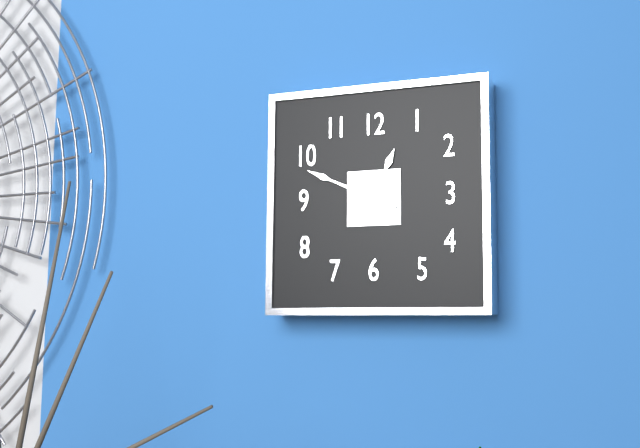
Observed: **12:49**
